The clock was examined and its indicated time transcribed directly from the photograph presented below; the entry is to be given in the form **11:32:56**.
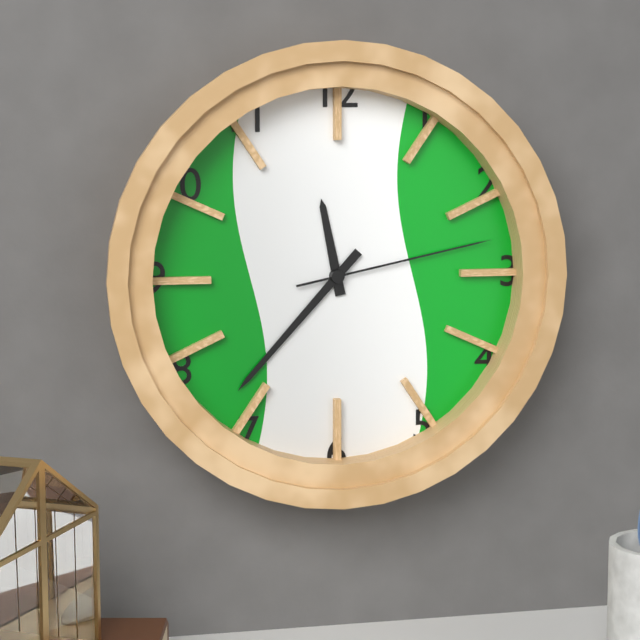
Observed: **11:37:13**
